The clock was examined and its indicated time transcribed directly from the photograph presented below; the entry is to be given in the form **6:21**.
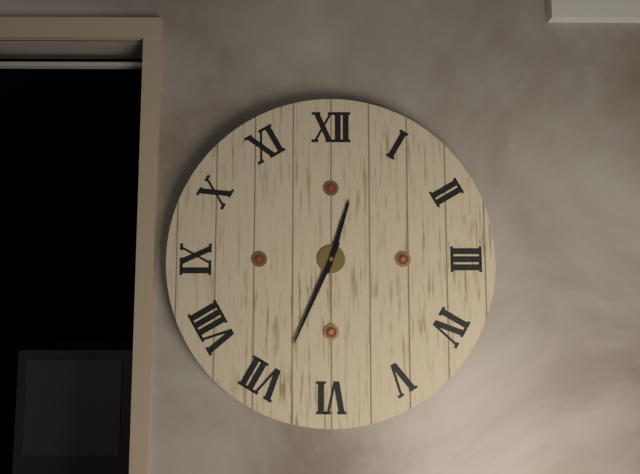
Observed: **12:34**
